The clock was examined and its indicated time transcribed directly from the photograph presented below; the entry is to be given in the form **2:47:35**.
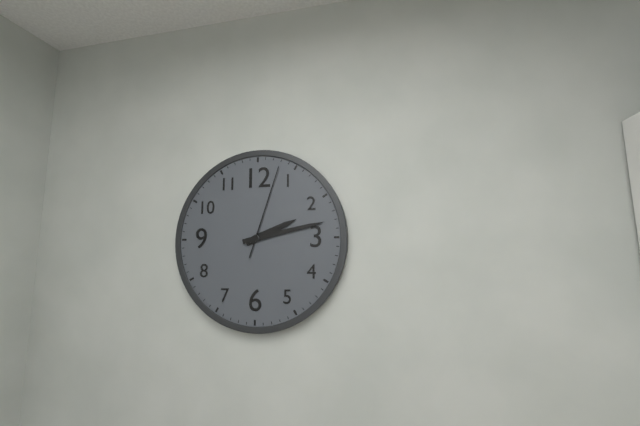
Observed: **2:13:03**
